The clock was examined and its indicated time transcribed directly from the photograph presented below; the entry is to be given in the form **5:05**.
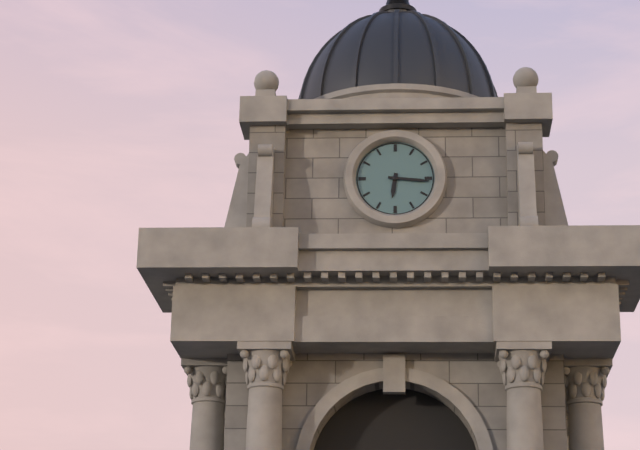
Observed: **6:16**
